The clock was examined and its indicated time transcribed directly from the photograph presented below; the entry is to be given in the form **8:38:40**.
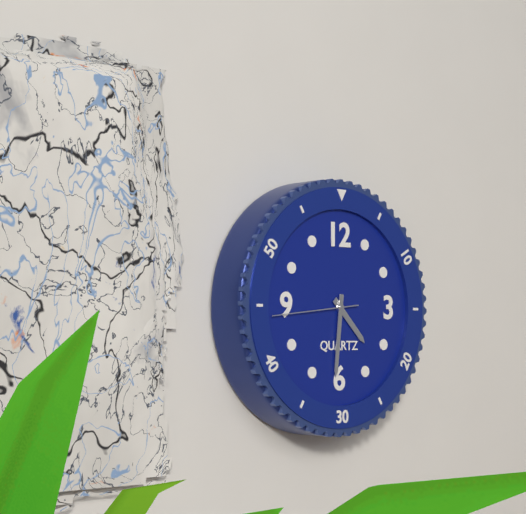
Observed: **4:31:44**
